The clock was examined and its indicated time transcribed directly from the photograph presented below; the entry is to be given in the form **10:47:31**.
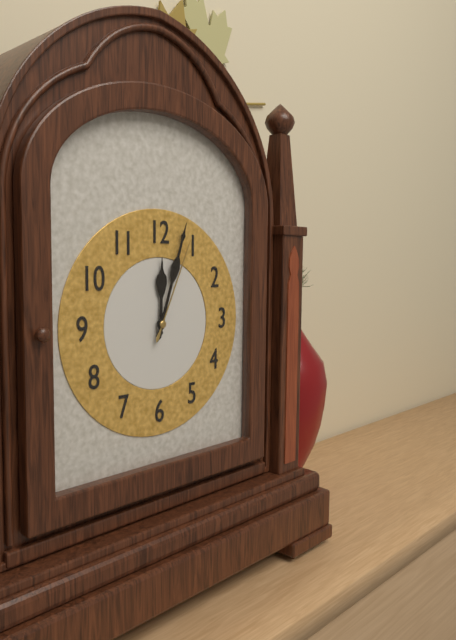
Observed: **12:03:04**
